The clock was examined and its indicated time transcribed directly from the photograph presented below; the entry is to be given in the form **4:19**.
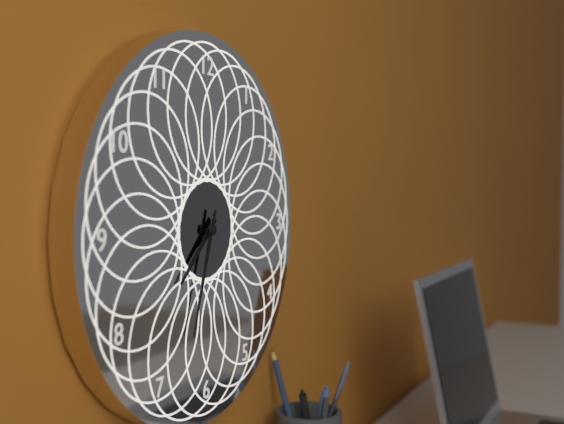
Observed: **7:33**
